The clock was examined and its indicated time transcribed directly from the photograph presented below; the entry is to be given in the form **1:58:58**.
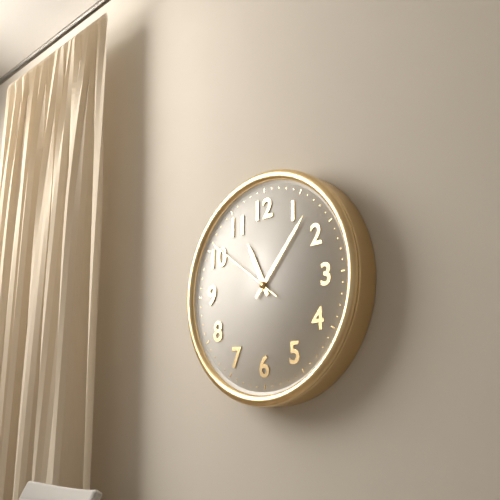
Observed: **11:07:51**
